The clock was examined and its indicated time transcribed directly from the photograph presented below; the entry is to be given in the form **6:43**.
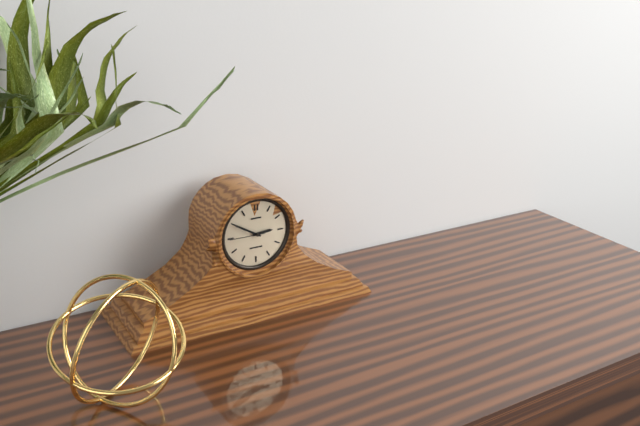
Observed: **2:50**
